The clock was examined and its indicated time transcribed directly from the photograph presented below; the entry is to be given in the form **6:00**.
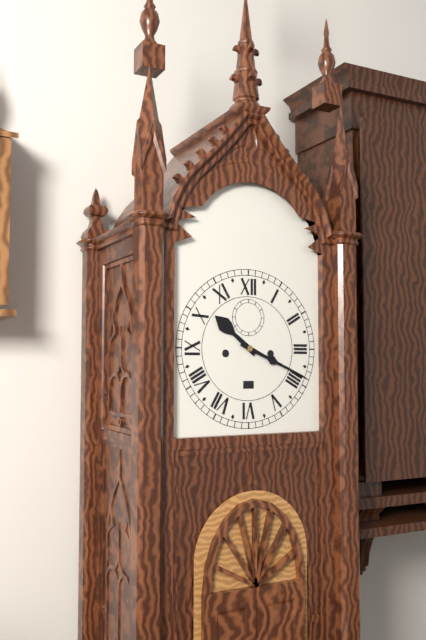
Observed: **10:19**
